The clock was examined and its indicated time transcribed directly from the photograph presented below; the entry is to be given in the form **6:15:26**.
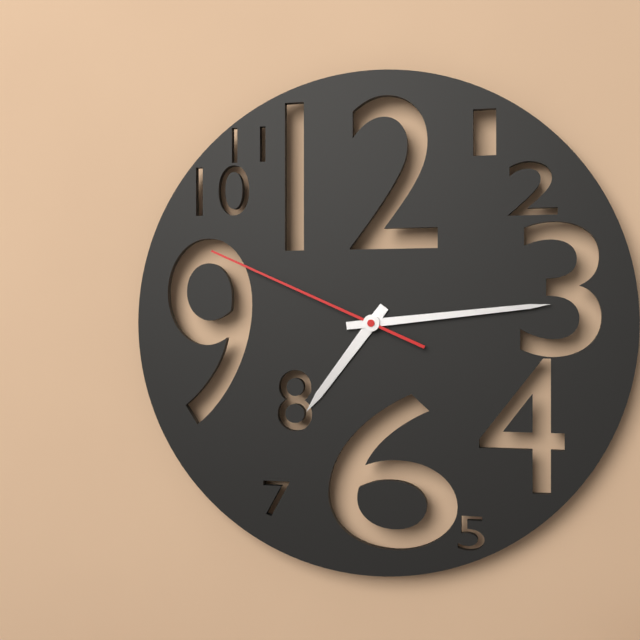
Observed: **7:14:49**
